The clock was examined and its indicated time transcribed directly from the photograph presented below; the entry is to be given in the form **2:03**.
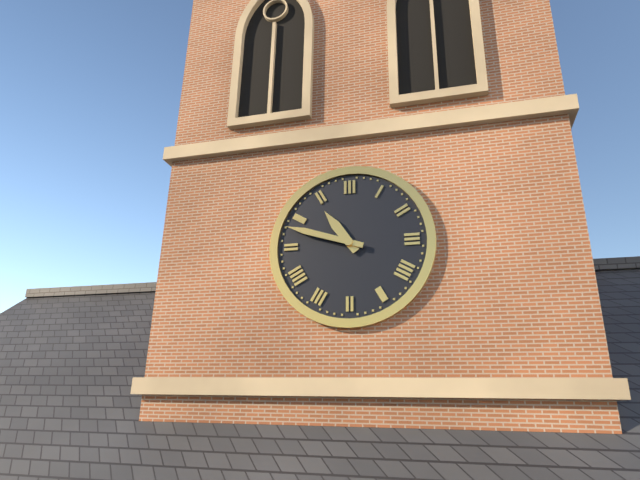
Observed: **10:48**
